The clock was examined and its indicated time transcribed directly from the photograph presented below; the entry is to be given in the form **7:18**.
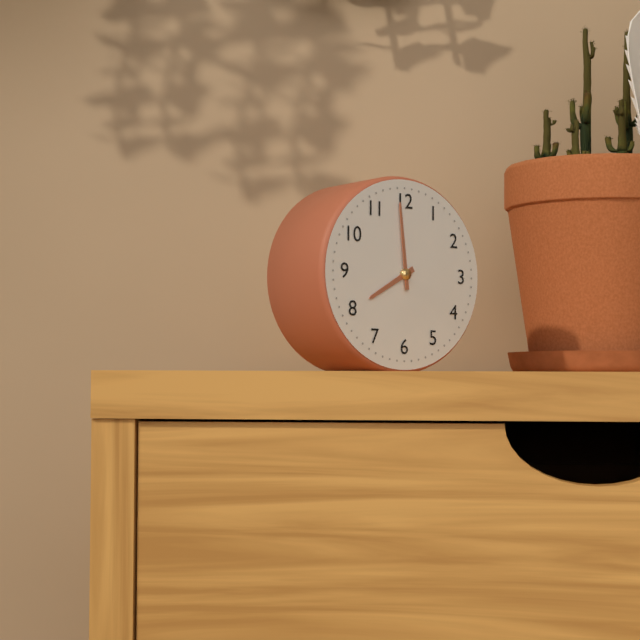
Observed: **7:59**
